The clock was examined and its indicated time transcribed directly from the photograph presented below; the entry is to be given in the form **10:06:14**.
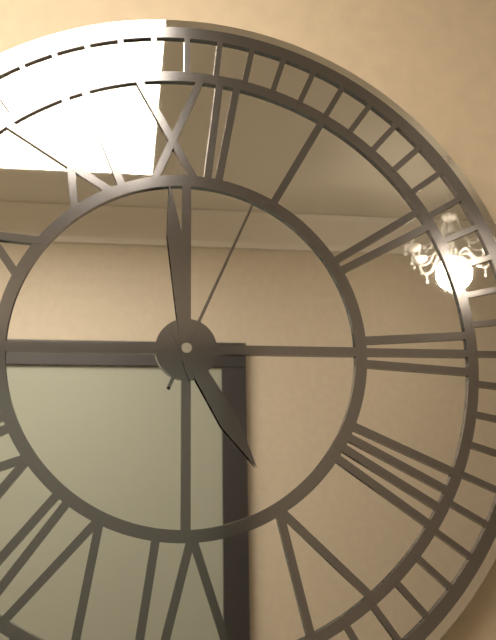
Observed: **4:59:04**
